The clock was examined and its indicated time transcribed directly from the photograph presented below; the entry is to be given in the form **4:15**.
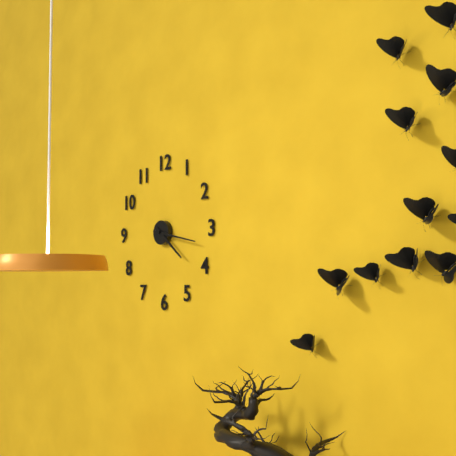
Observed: **4:17**
